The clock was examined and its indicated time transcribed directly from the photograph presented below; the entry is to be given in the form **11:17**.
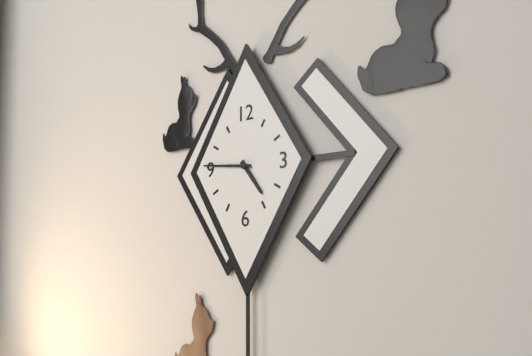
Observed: **4:46**
